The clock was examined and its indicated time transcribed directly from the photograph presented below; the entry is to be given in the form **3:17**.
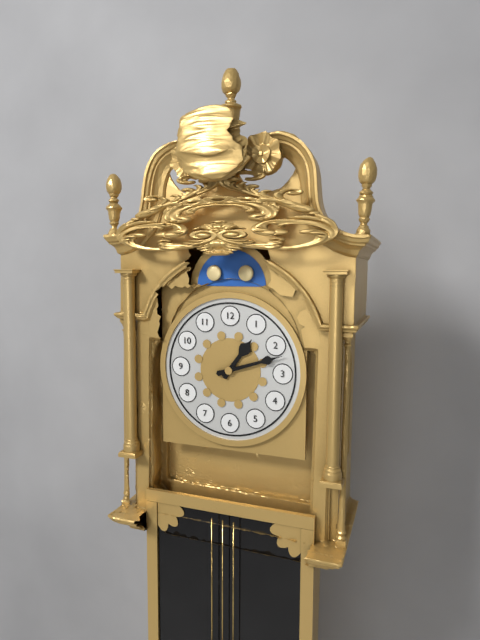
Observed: **1:12**
